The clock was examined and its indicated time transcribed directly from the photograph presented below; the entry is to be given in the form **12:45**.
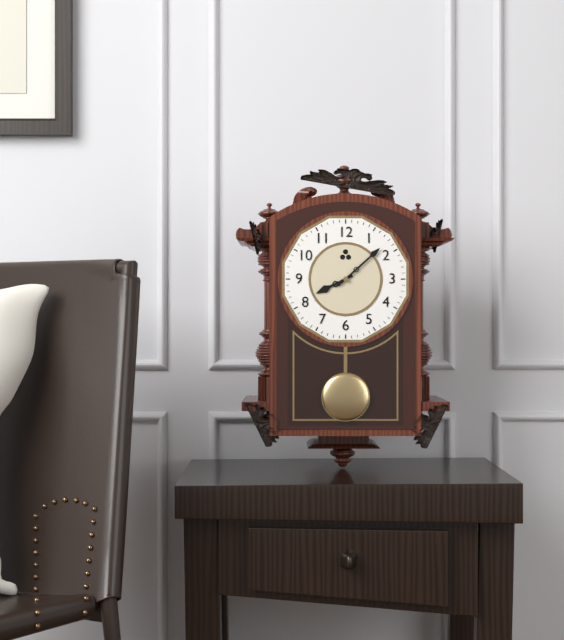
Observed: **8:08**
